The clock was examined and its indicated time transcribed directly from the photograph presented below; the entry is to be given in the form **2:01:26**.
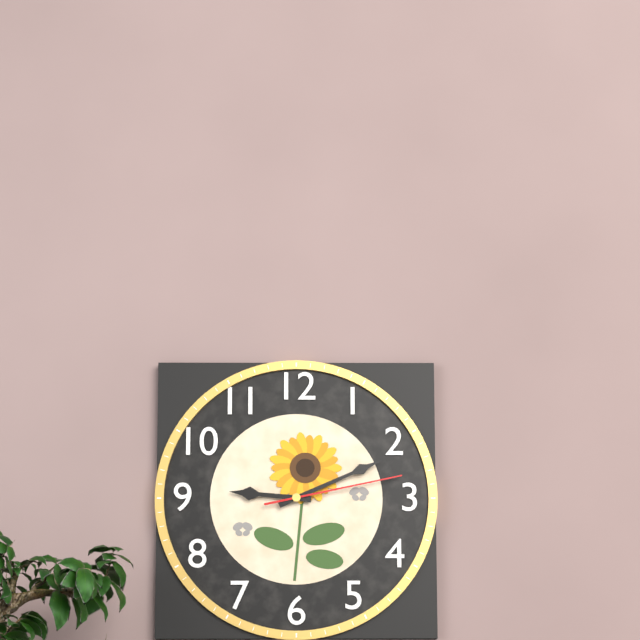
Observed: **9:11:13**
